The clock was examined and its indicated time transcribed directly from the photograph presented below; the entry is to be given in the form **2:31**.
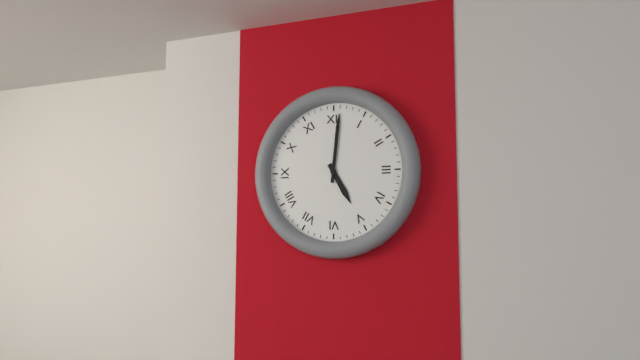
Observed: **5:01**
